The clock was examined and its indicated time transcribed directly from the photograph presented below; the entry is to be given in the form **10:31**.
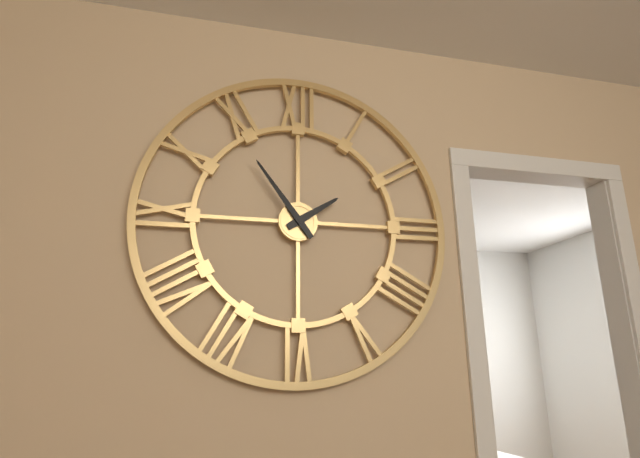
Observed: **1:54**
